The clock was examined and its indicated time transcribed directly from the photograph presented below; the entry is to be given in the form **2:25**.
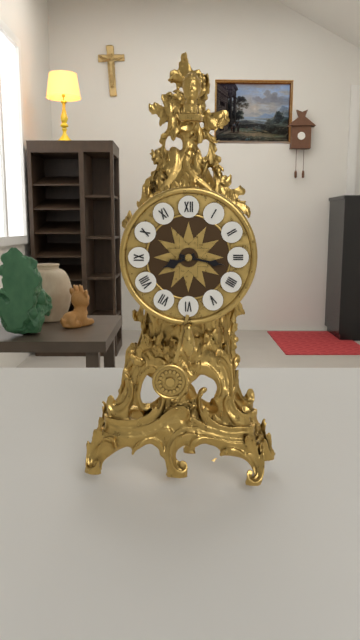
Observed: **8:17**
